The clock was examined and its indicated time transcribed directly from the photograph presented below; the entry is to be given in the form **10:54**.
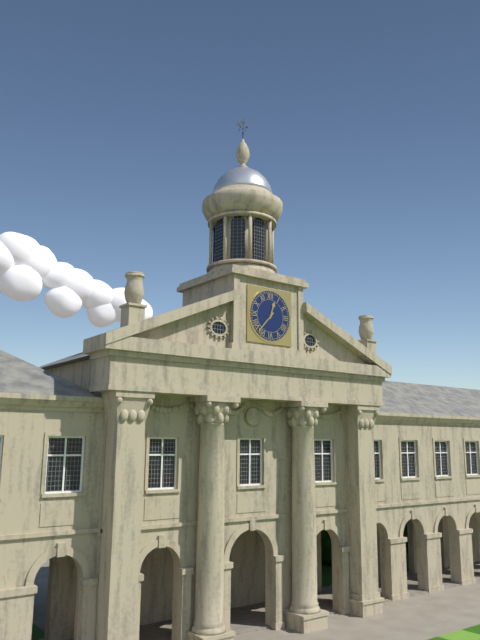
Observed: **12:37**
